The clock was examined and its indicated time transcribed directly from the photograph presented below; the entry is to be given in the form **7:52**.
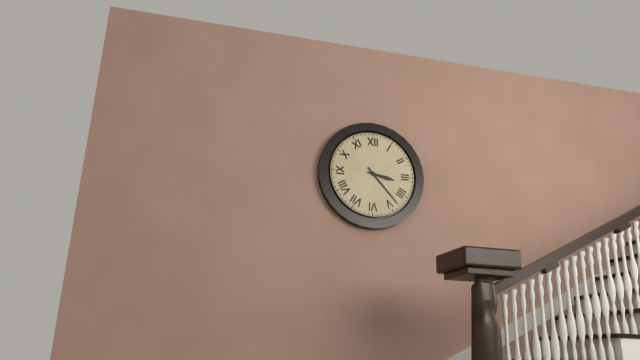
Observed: **3:23**
